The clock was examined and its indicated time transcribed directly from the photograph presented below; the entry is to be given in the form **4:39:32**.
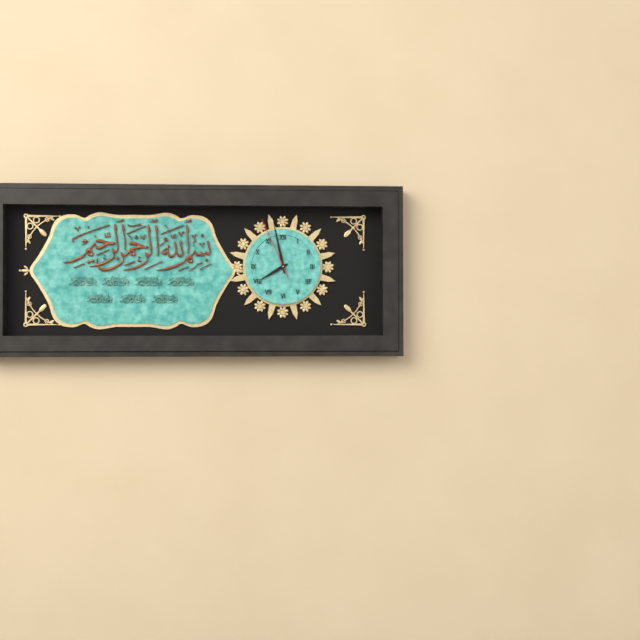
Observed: **7:58:56**
